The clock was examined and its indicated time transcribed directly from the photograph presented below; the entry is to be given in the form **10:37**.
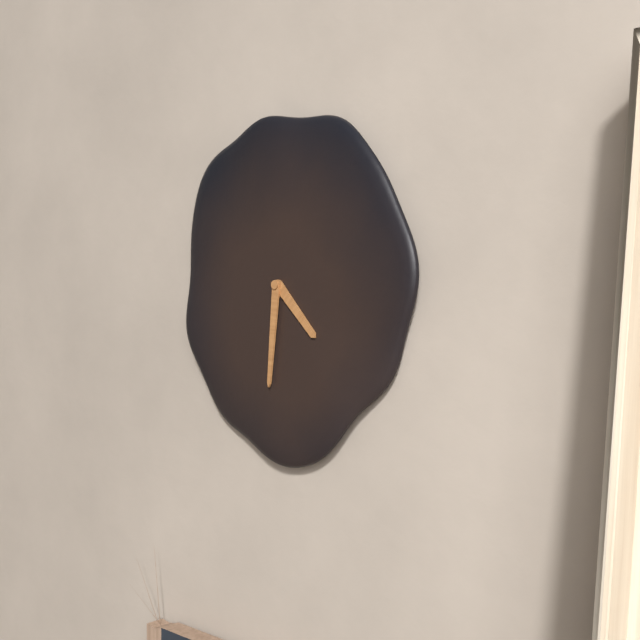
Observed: **4:31**
